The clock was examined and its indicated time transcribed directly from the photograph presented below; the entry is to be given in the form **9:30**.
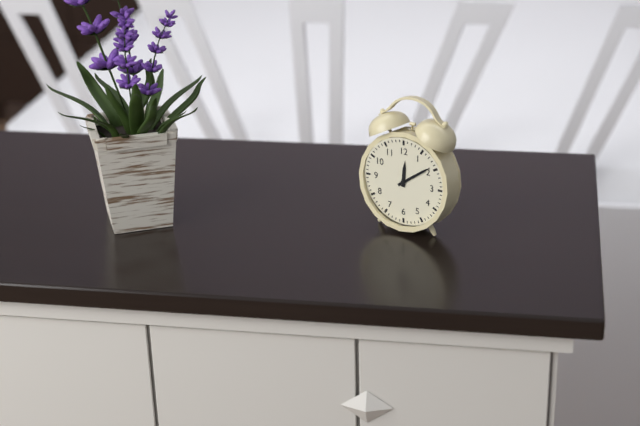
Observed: **12:09**
